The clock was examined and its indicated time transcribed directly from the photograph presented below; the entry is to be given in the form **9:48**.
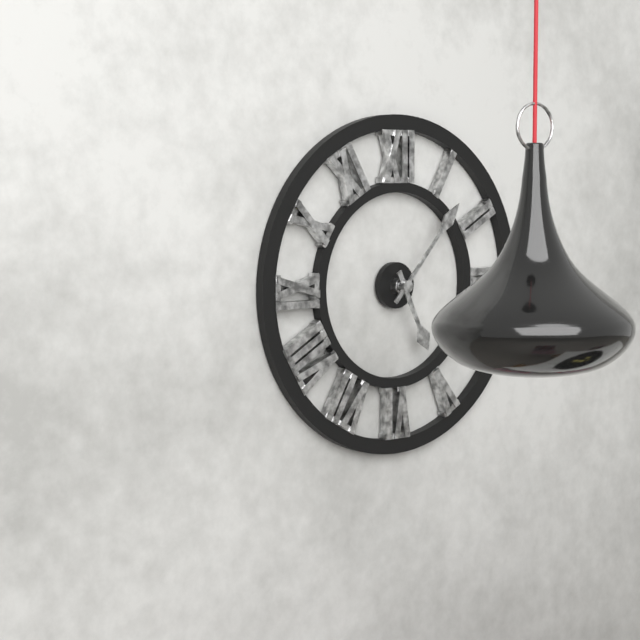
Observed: **5:07**
